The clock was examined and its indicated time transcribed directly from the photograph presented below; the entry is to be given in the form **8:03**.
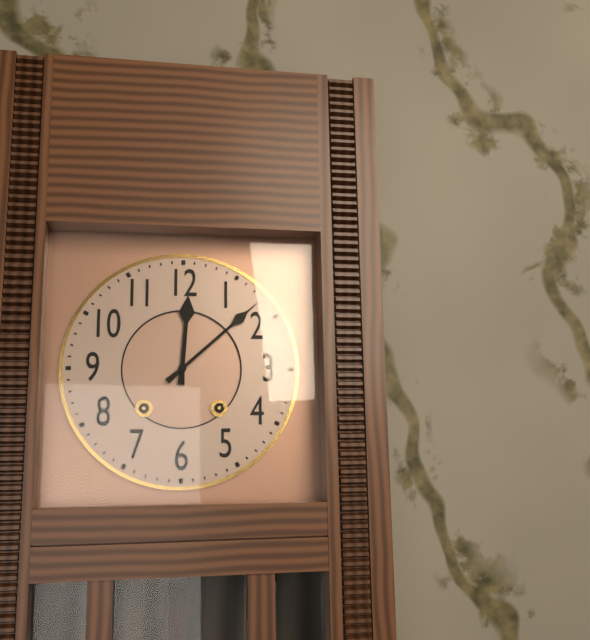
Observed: **12:08**
